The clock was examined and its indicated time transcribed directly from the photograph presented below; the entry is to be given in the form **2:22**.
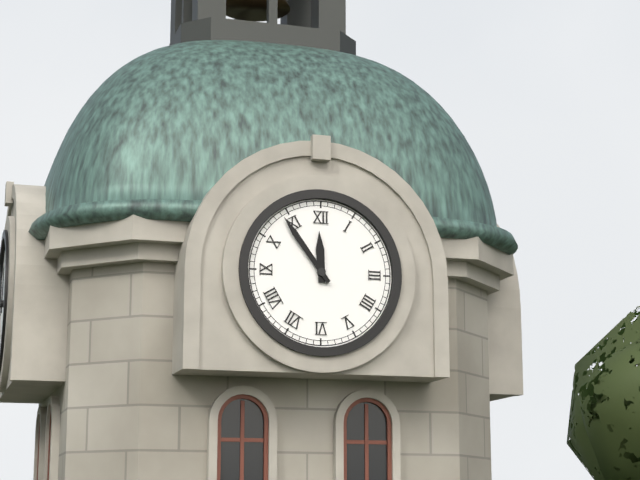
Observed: **11:54**
